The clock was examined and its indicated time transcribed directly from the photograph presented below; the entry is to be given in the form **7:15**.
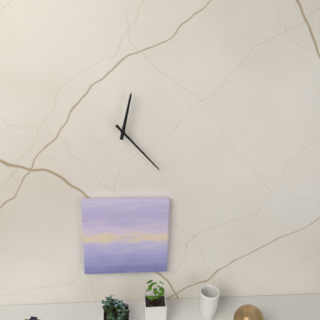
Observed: **12:23**
